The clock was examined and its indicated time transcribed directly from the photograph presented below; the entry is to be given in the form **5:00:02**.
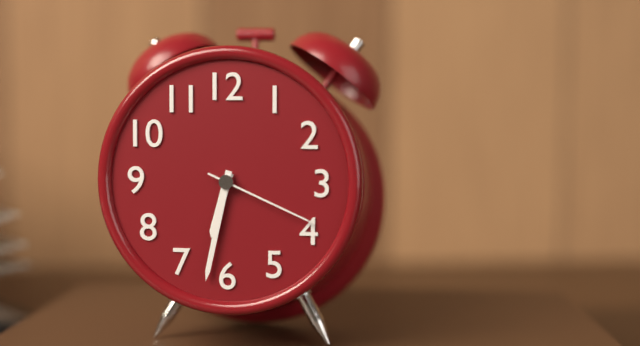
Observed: **6:32:19**
